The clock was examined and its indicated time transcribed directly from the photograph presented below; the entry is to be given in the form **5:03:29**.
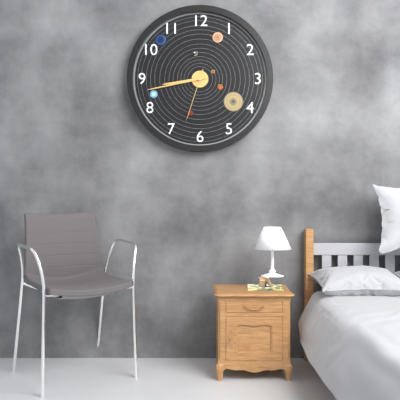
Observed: **8:43:33**
